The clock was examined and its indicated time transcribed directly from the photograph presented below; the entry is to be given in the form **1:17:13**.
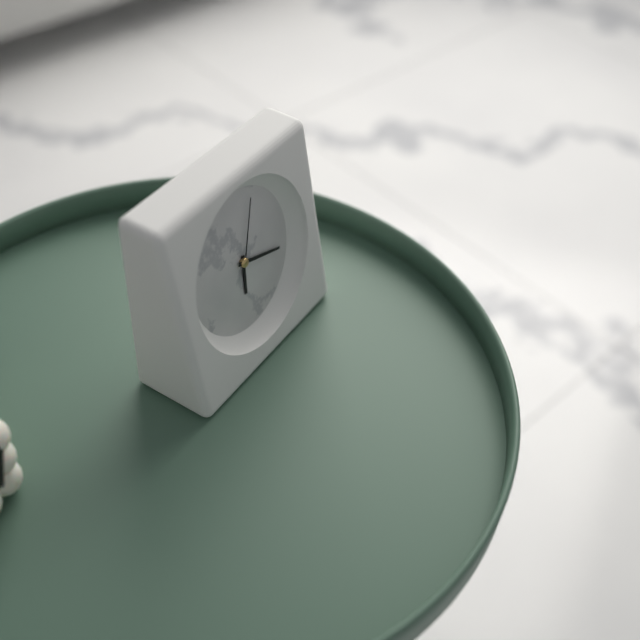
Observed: **6:18:04**
